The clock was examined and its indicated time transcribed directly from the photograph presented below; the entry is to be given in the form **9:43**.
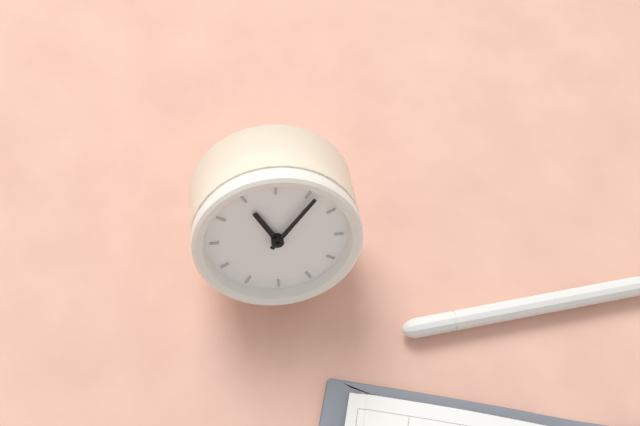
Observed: **10:01**
